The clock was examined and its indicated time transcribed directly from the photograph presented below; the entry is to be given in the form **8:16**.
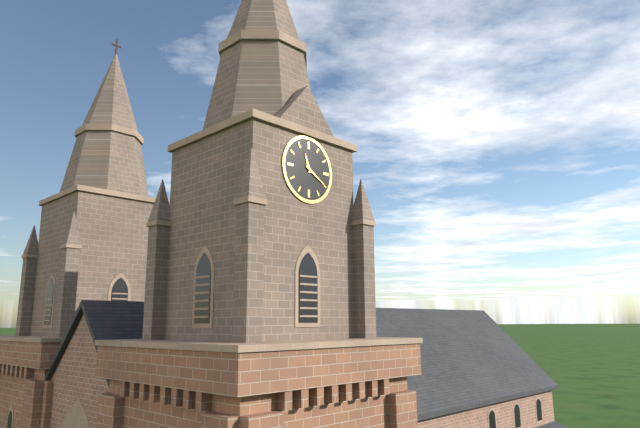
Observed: **11:20**
